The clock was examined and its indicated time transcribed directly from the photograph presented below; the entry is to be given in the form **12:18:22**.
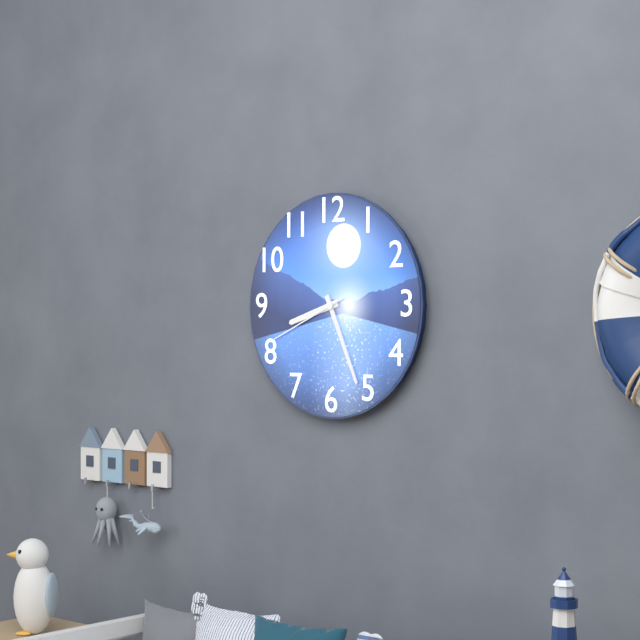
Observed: **8:26:41**
